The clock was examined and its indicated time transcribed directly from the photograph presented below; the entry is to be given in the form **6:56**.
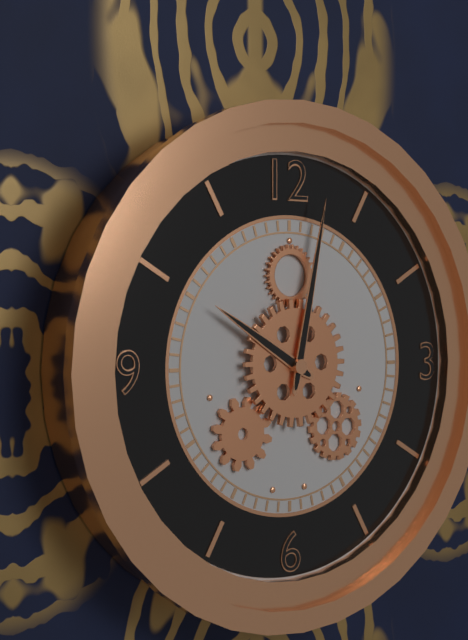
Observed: **10:02**
